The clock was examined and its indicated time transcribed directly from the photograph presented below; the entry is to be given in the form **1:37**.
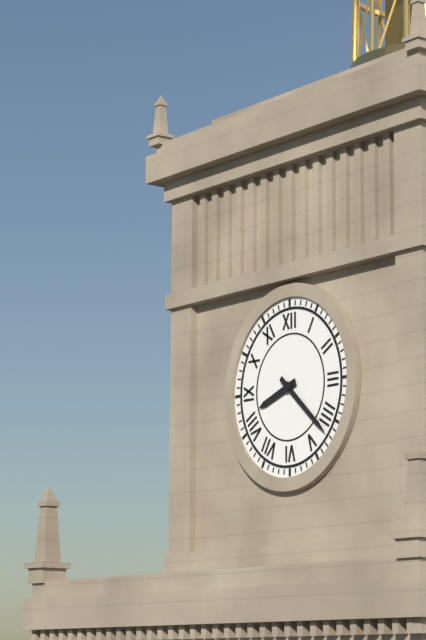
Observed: **8:22**
